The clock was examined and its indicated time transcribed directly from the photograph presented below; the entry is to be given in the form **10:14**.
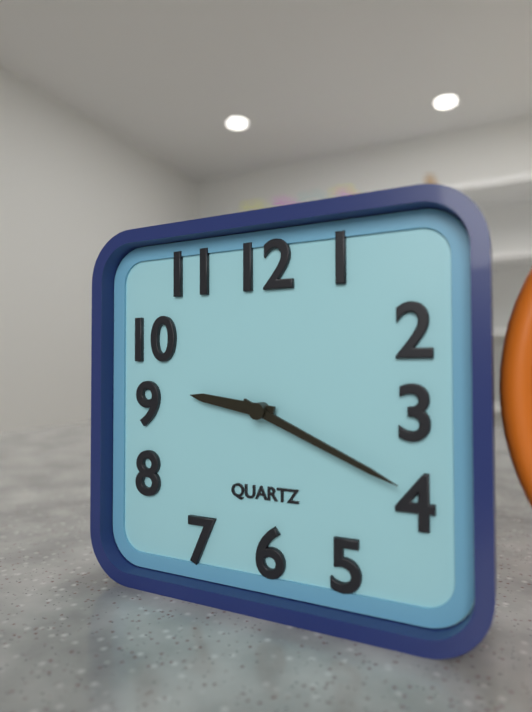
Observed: **9:19**
